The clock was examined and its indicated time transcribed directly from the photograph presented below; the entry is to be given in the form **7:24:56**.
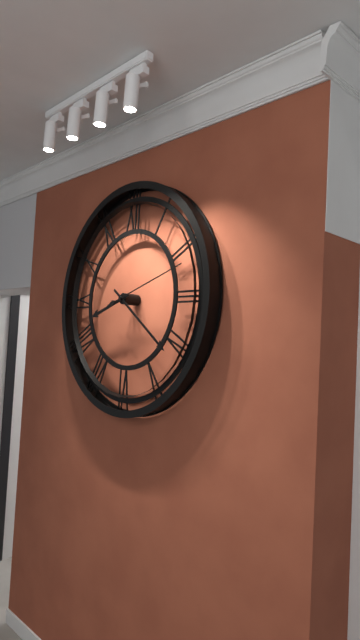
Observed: **8:21:12**
